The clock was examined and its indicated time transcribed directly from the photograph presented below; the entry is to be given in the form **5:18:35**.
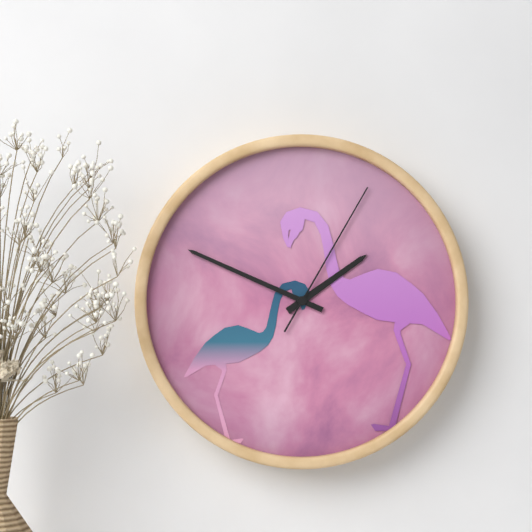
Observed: **1:49:05**
